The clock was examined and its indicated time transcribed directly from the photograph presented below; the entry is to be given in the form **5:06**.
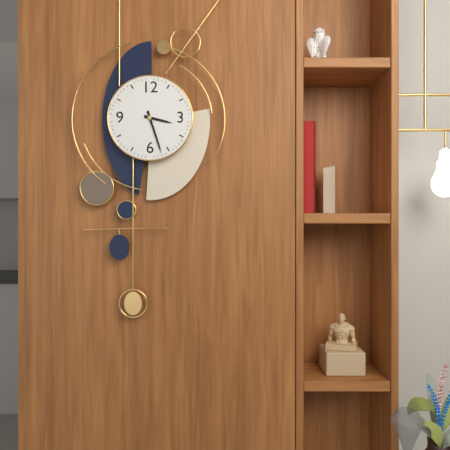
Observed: **3:27**
